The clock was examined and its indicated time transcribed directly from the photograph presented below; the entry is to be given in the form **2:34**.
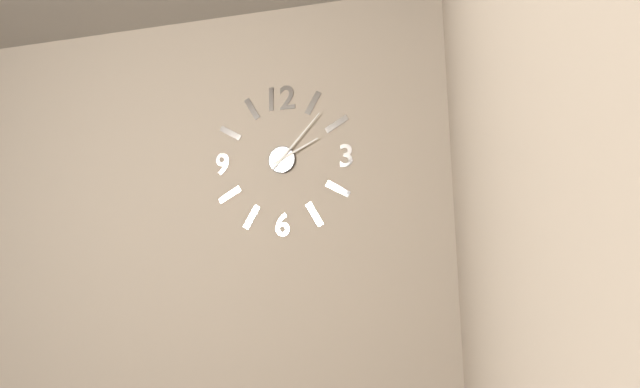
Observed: **2:07**
